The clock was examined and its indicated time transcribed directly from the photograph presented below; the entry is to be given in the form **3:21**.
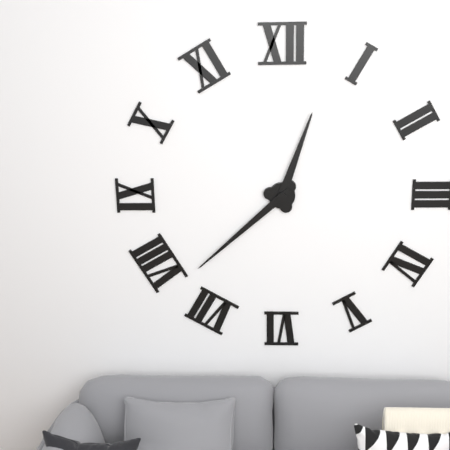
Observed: **12:38**
